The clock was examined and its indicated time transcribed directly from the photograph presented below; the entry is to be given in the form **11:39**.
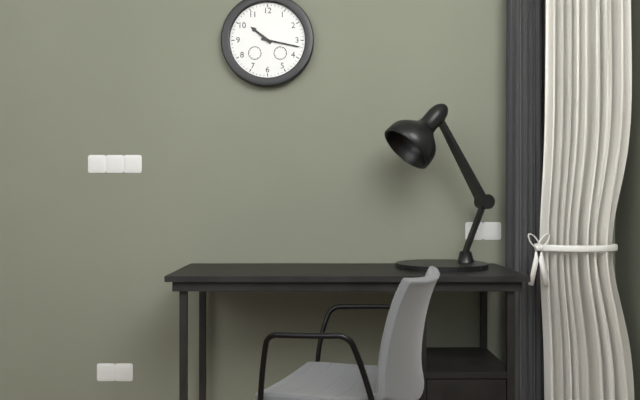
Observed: **10:17**
